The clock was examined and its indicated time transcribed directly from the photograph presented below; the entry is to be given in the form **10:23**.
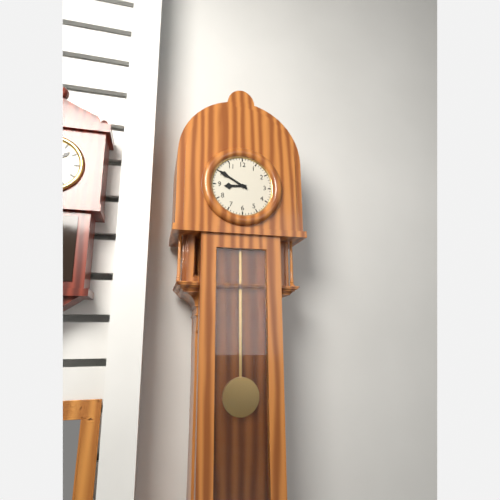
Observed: **8:50**
